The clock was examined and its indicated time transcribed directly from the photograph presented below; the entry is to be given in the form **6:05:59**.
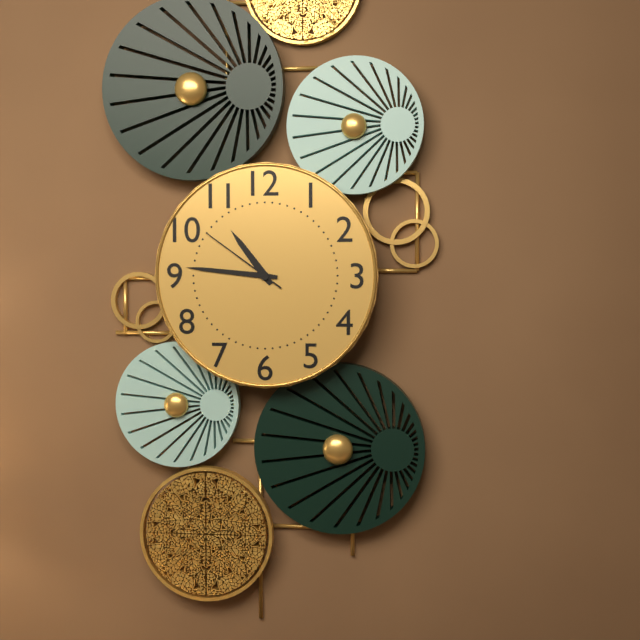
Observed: **10:46:51**
